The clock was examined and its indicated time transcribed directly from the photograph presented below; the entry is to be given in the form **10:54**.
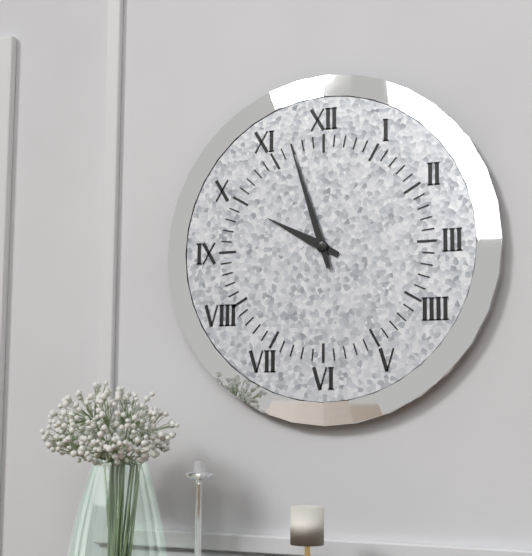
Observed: **9:57**
